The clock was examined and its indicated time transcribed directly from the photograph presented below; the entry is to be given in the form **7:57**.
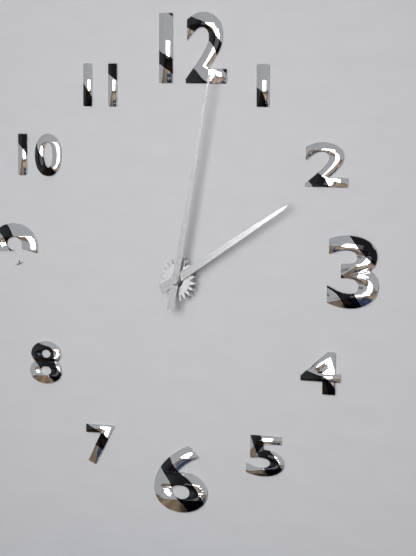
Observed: **2:02**
